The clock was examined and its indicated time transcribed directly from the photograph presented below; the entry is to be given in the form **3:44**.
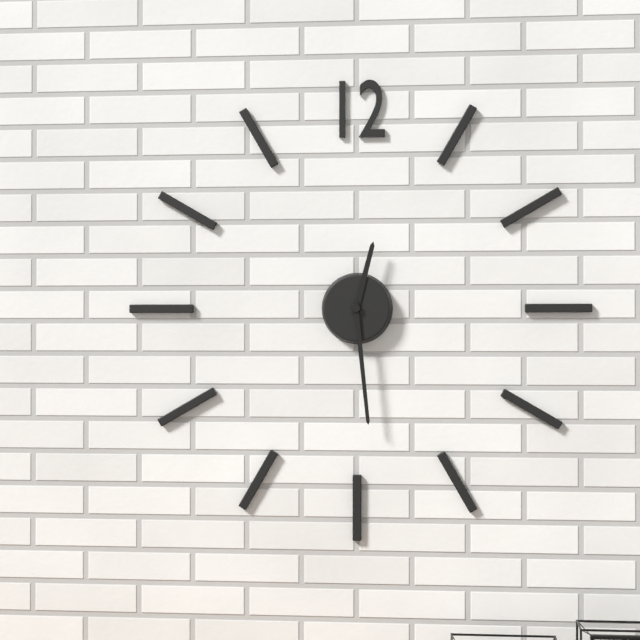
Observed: **12:29**
